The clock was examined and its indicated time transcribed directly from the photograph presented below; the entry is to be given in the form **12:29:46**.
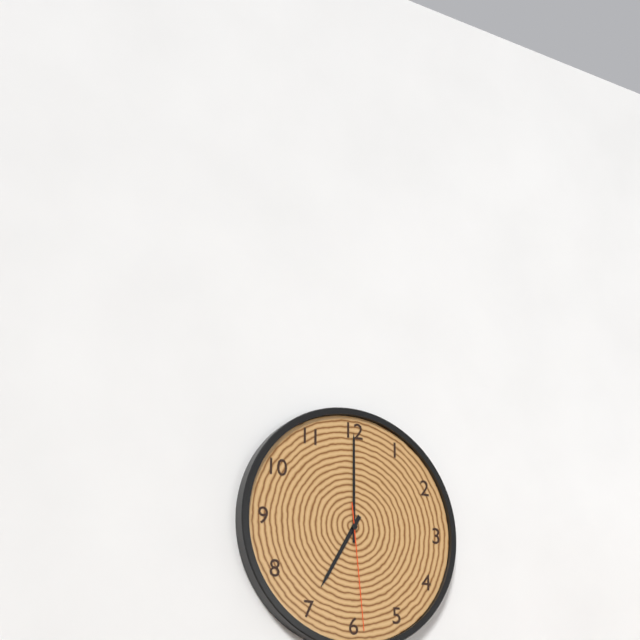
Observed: **7:00:29**
